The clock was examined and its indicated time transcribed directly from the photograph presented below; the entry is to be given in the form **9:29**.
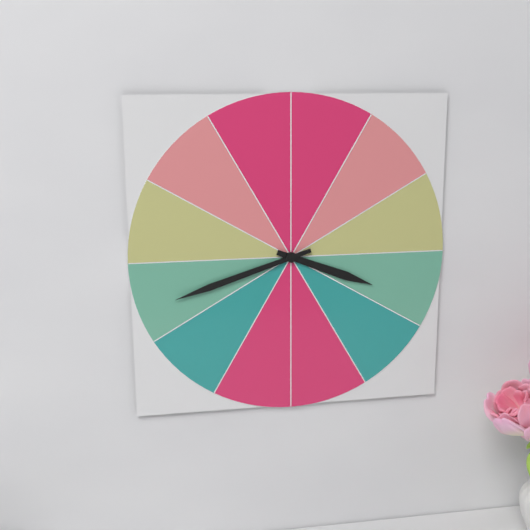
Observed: **3:42**
